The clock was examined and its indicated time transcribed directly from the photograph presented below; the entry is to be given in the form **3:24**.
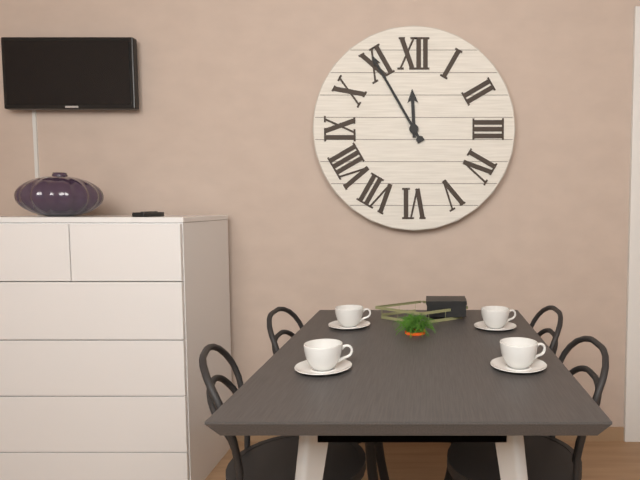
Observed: **11:55**
